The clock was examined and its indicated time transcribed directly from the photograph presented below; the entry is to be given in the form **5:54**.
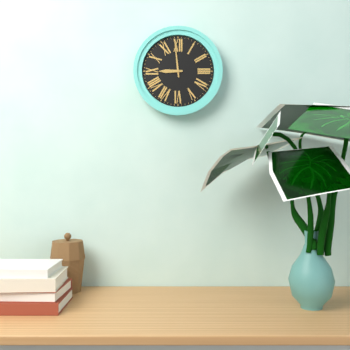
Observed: **8:59**
